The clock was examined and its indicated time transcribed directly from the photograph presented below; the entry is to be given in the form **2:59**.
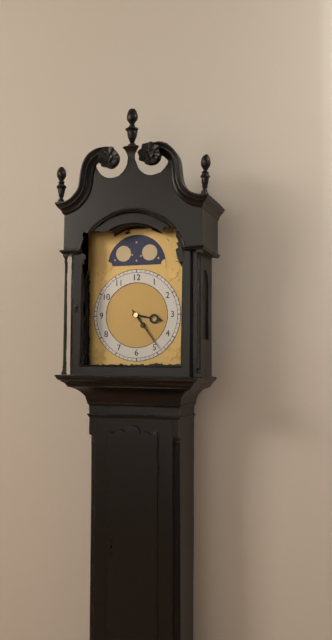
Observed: **3:24**
